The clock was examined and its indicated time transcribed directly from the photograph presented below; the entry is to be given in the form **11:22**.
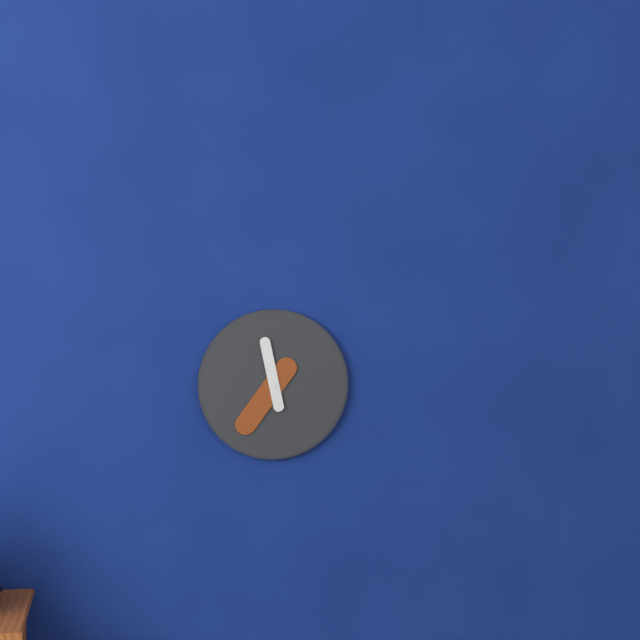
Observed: **11:36**
